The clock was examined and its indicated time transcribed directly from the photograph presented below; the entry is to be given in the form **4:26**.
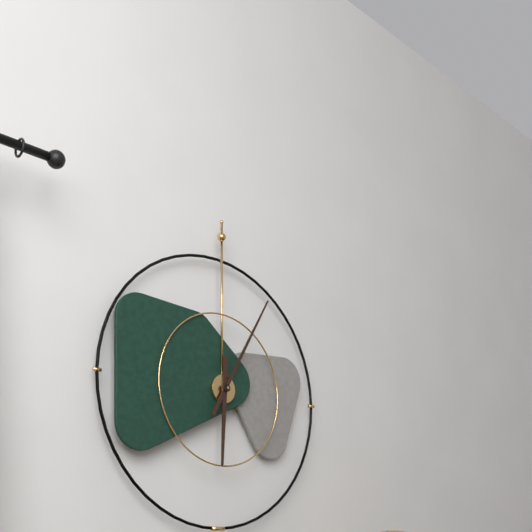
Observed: **6:05**
